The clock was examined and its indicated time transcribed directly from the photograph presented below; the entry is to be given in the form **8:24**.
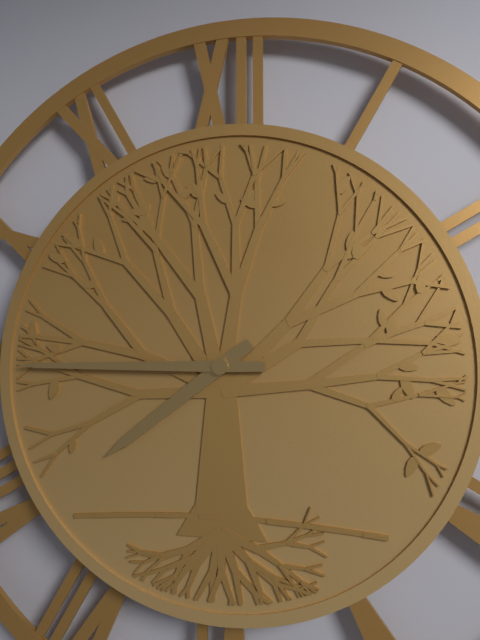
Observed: **7:45**
